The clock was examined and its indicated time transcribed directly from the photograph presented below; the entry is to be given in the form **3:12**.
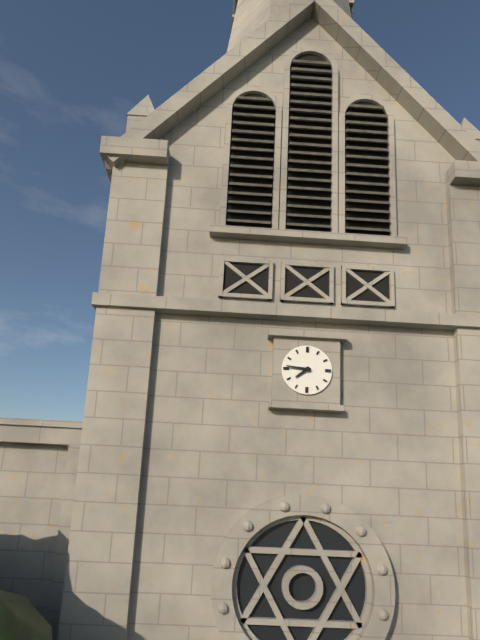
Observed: **7:46**
